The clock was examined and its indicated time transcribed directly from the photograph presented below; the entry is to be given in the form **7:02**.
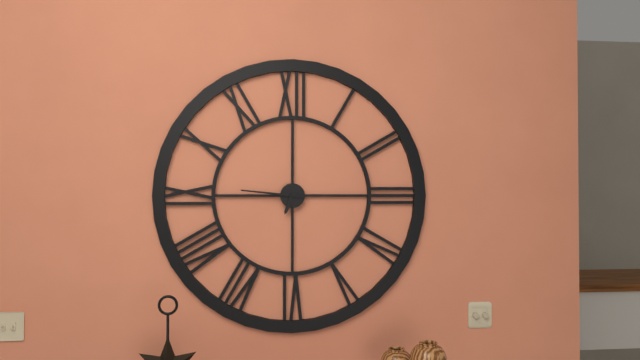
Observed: **6:46**
